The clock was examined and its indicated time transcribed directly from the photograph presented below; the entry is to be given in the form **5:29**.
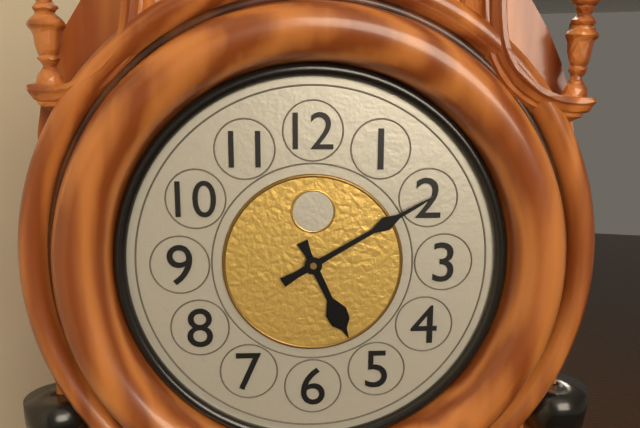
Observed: **5:10**
